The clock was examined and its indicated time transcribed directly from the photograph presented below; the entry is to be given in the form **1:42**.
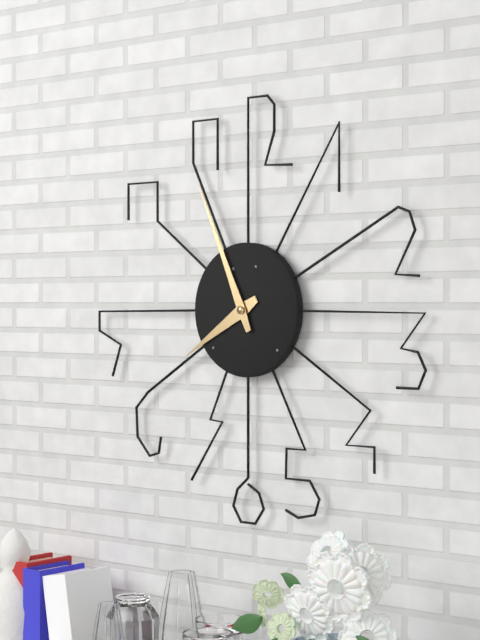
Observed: **7:56**
